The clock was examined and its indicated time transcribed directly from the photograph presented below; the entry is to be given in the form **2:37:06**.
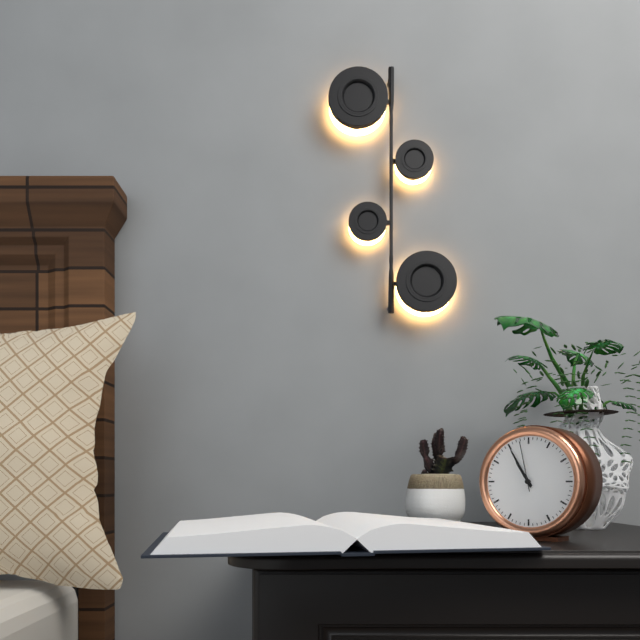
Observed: **10:55:58**
